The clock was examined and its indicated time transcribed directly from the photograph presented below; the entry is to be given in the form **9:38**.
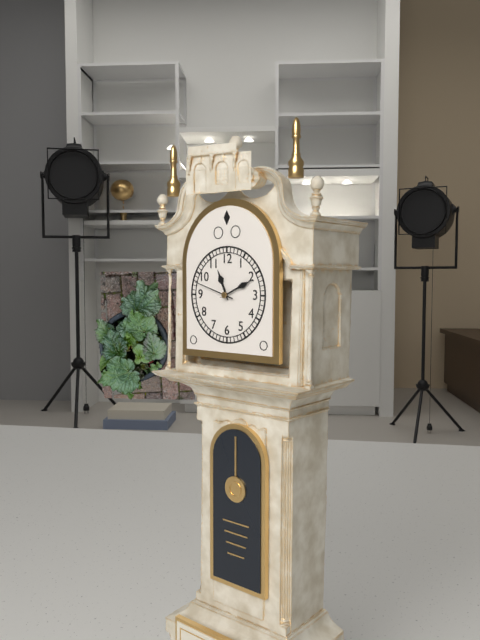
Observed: **11:11**
